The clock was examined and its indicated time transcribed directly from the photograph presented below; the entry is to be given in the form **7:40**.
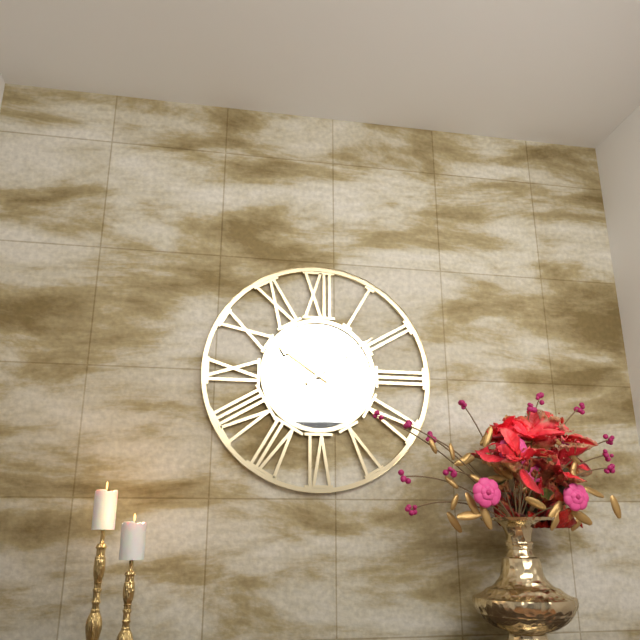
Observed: **10:09**
